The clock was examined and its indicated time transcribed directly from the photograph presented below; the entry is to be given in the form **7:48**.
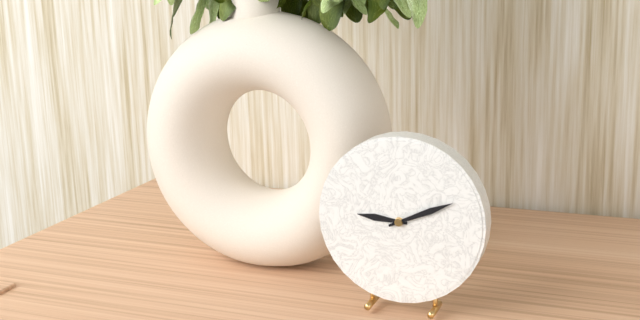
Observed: **9:11**
